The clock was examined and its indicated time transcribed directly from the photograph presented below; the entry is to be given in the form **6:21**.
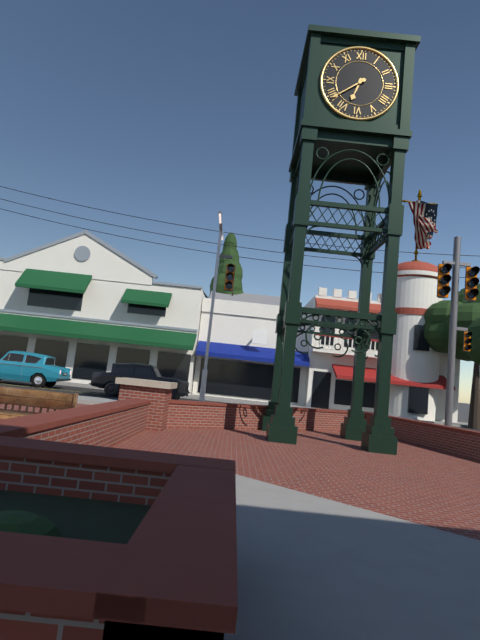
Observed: **6:39**
